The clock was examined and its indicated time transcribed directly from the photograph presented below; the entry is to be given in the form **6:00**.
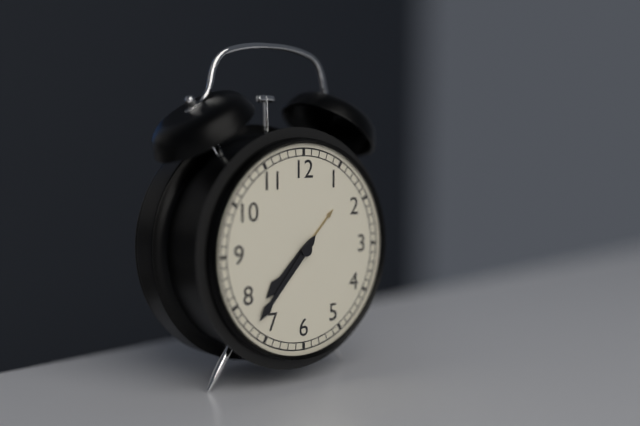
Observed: **7:37**
